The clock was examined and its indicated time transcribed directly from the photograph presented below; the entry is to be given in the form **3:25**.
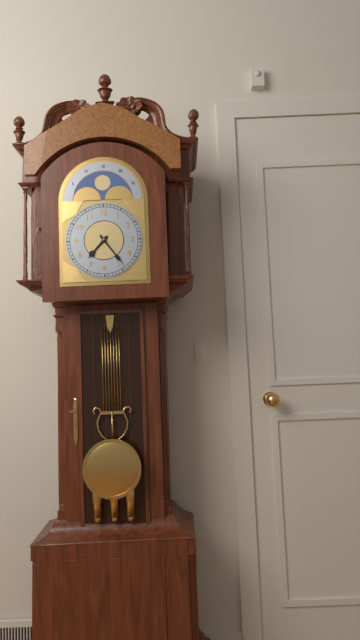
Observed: **7:24**
